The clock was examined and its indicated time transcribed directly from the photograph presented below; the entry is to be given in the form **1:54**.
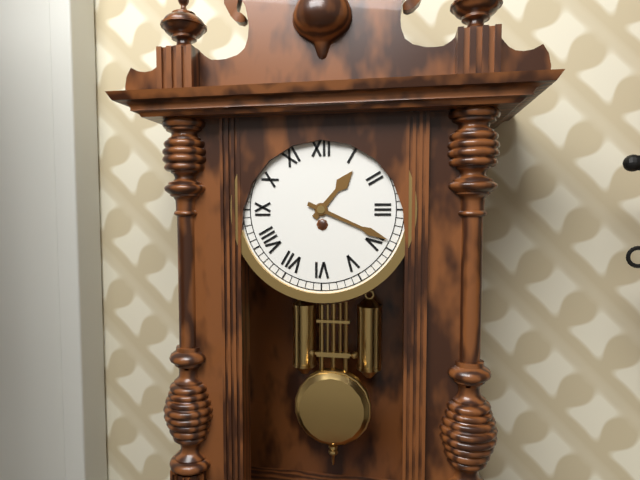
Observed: **1:19**
